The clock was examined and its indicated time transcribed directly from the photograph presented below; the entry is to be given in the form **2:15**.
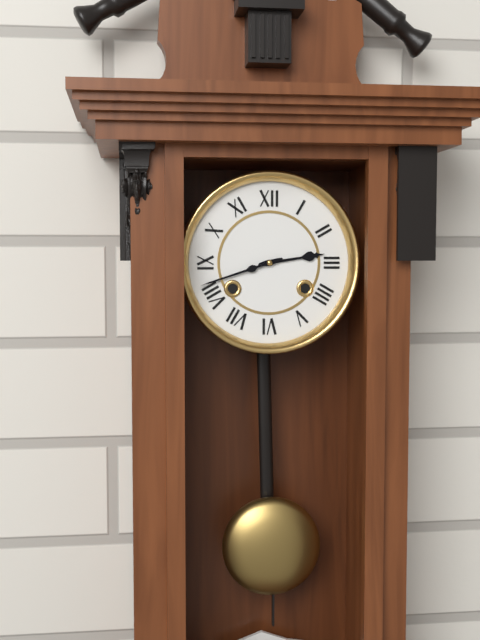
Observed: **2:42**
